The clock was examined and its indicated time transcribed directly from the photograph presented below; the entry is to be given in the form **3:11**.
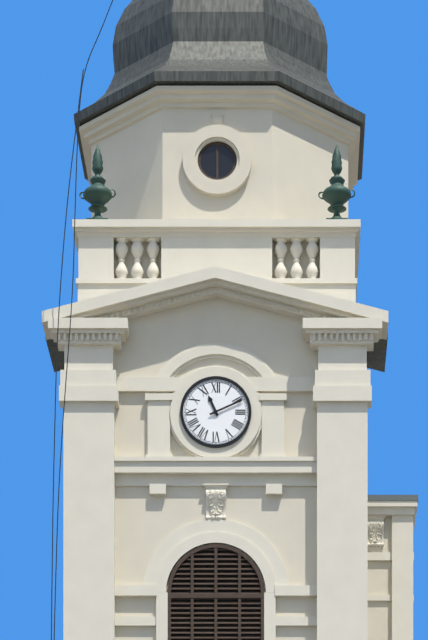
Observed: **11:11**
